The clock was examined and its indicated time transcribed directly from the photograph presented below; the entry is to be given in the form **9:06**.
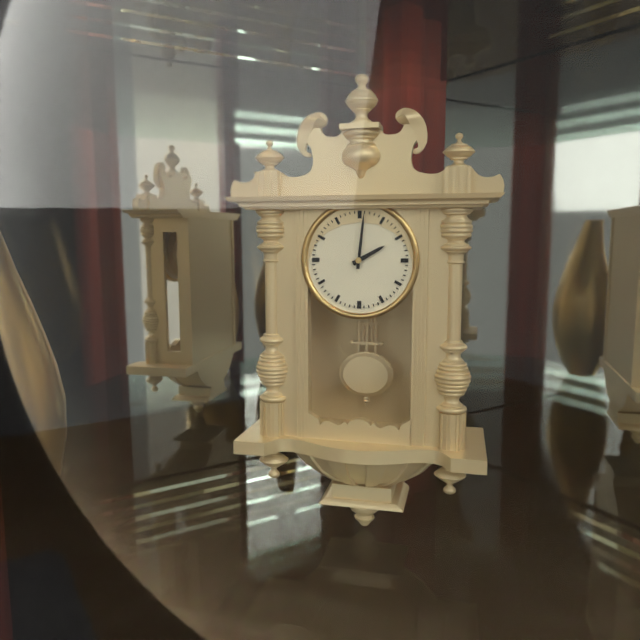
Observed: **2:01**
